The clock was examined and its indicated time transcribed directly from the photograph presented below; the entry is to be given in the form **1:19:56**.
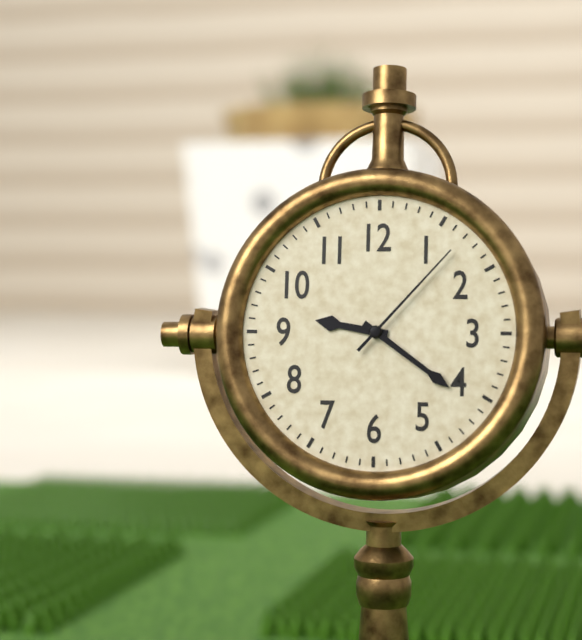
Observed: **9:21:07**
